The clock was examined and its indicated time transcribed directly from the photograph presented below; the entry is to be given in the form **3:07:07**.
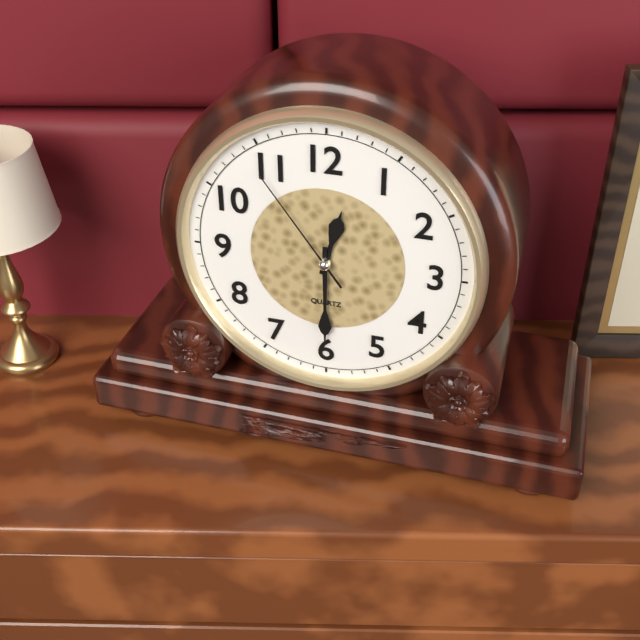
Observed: **12:30:54**
